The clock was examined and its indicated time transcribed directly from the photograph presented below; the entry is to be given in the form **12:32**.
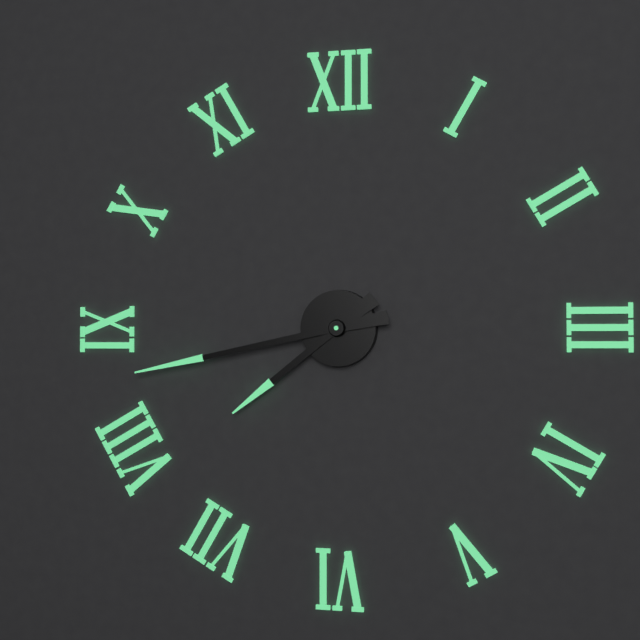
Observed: **7:43**
